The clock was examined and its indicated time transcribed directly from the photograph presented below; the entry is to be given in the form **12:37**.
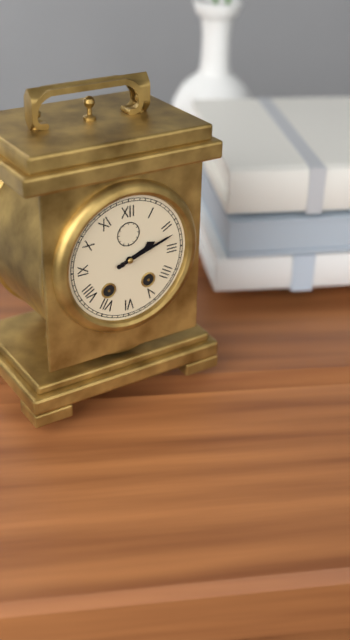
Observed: **2:12**
